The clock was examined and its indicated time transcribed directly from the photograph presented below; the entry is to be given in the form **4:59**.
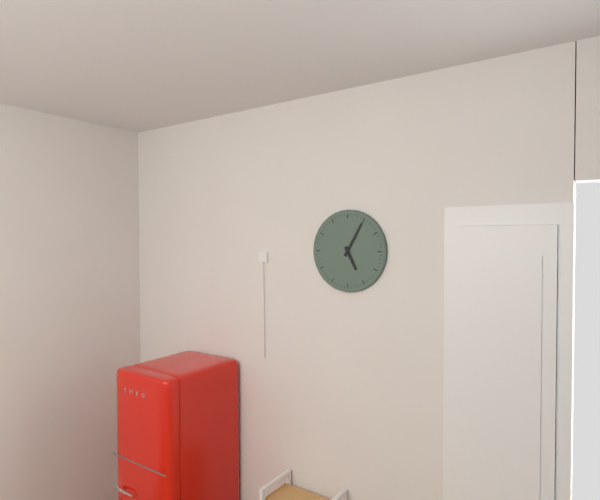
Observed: **5:05**
